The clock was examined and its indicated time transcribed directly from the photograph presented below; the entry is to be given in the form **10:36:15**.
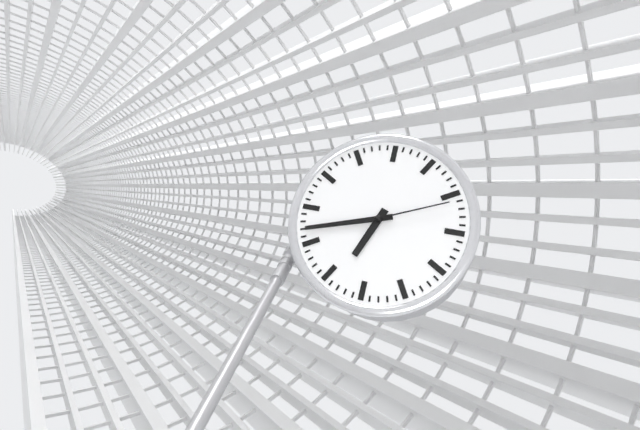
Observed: **6:42:11**
